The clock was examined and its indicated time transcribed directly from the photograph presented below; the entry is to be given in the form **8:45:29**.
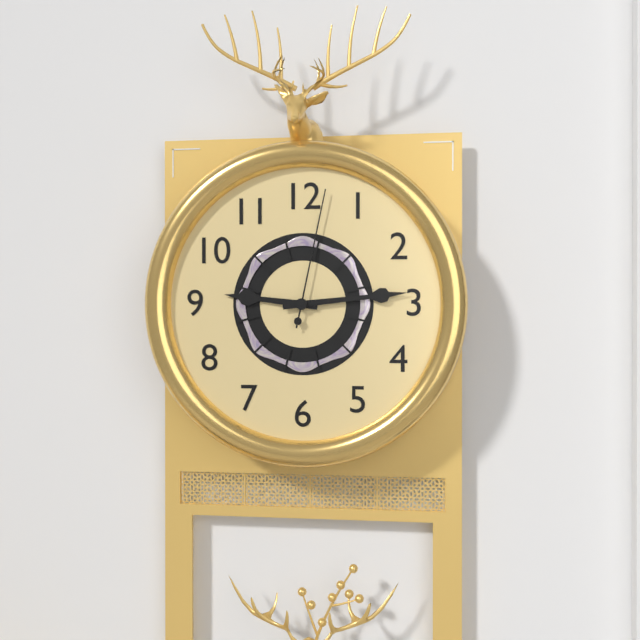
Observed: **9:14:02**
